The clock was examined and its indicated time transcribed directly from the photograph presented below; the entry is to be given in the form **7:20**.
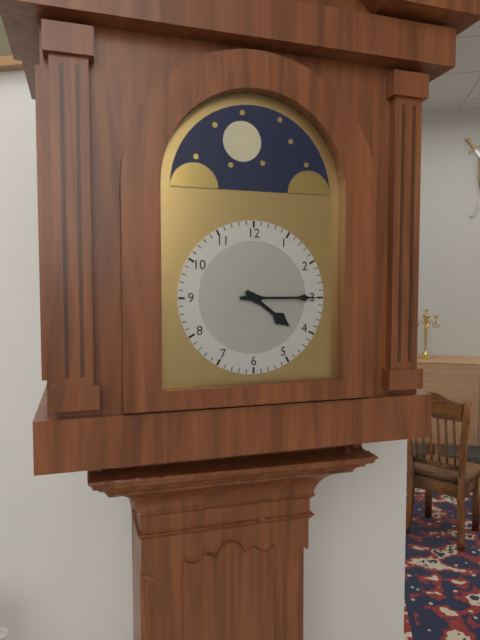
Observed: **4:15**
